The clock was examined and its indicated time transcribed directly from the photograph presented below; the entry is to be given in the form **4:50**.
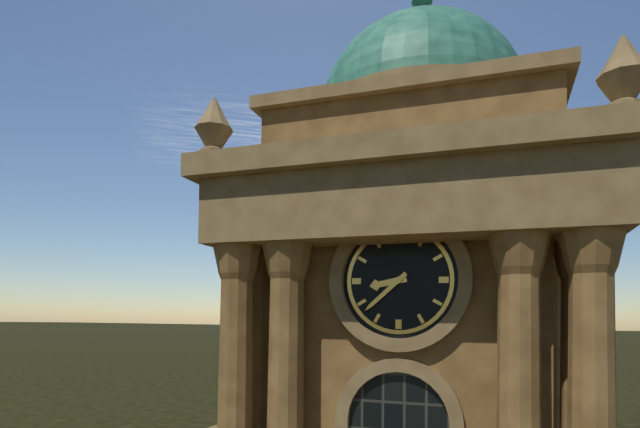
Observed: **8:38**
